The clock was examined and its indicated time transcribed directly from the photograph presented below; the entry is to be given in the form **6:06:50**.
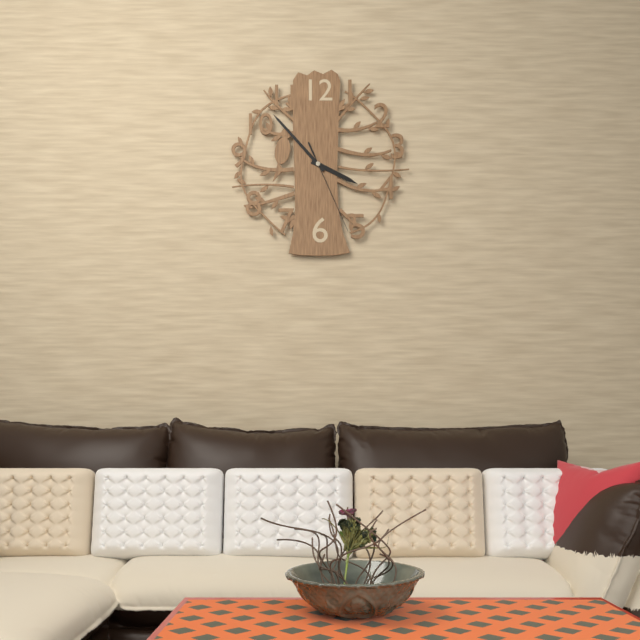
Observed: **3:53:26**
